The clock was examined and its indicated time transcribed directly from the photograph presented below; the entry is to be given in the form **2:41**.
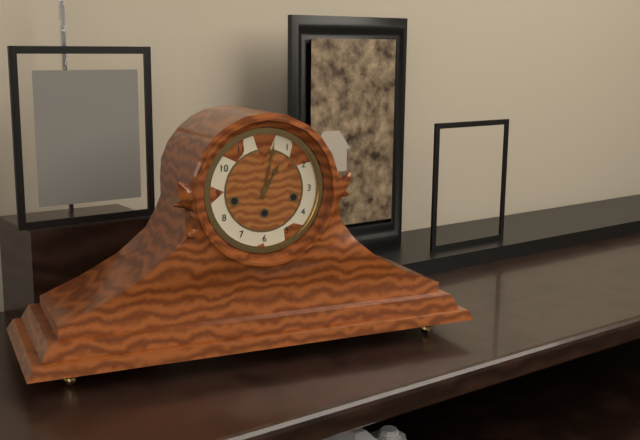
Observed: **1:02**
